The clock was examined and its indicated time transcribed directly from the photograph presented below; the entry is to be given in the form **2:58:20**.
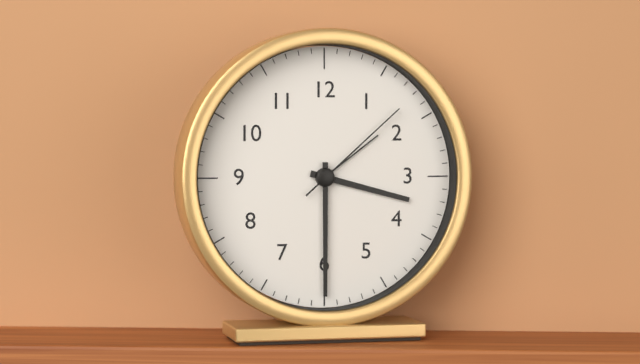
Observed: **3:30:08**
